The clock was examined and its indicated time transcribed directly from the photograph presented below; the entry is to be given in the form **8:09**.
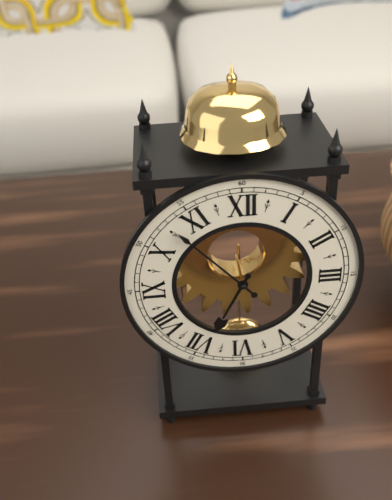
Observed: **6:53**
